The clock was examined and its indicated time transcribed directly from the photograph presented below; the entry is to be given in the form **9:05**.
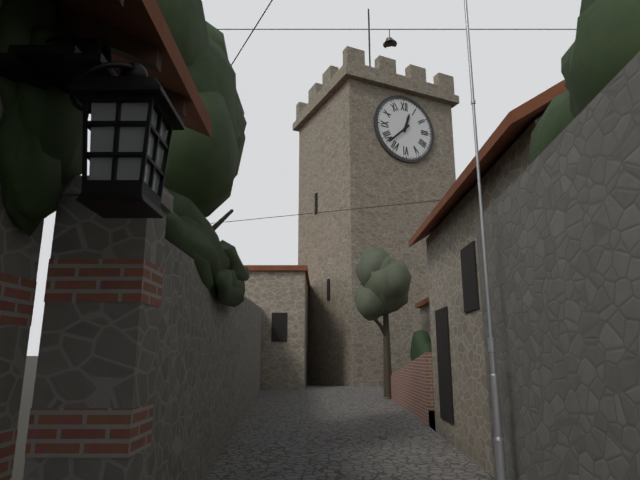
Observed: **12:38**
